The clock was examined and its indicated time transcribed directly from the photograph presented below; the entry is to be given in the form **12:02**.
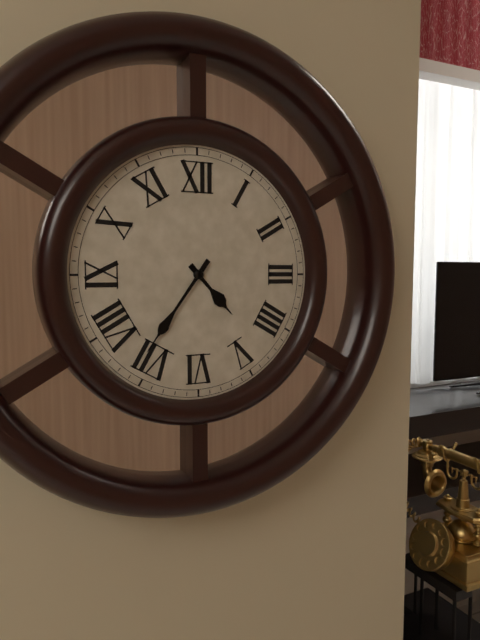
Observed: **4:36**
